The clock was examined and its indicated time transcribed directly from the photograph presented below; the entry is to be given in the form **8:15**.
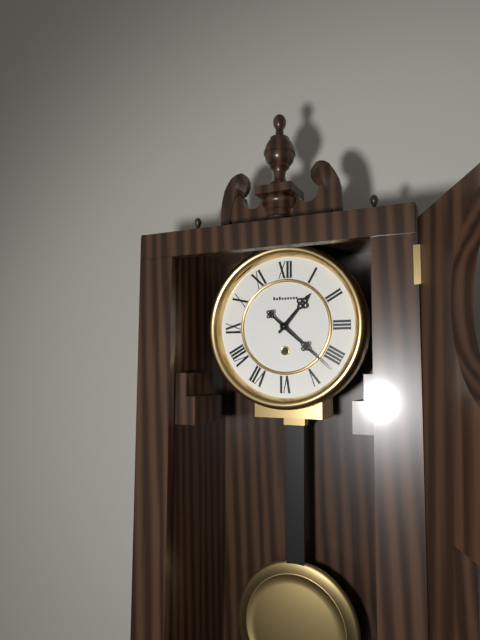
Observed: **1:22**
